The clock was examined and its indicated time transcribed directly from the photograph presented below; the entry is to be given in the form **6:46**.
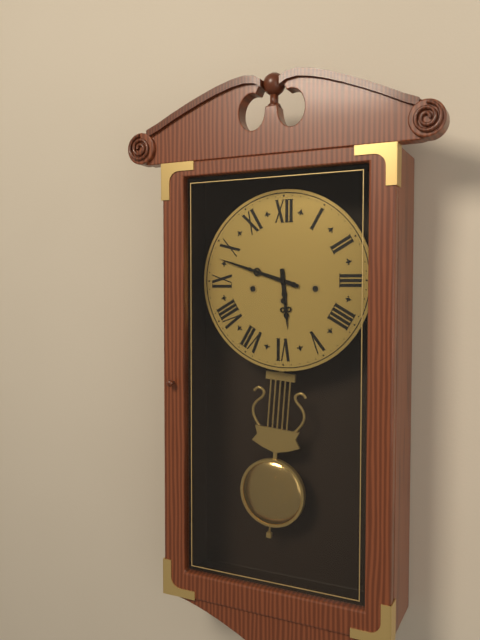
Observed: **5:48**
